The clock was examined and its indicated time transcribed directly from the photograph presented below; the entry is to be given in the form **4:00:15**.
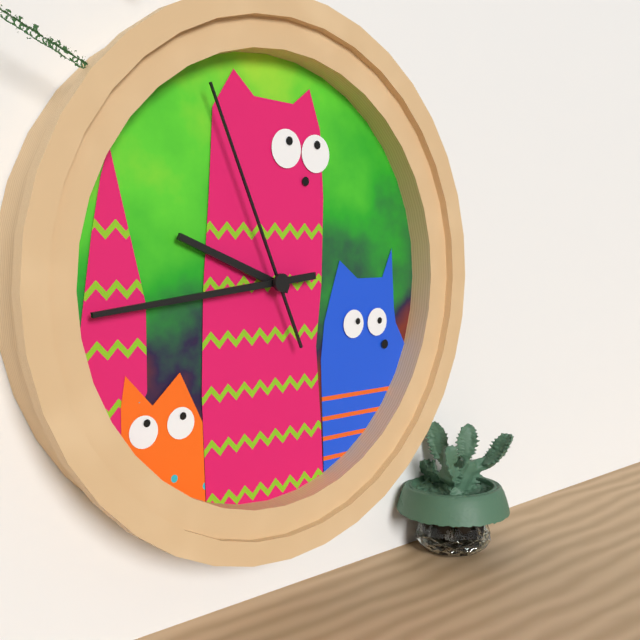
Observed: **9:44:56**
